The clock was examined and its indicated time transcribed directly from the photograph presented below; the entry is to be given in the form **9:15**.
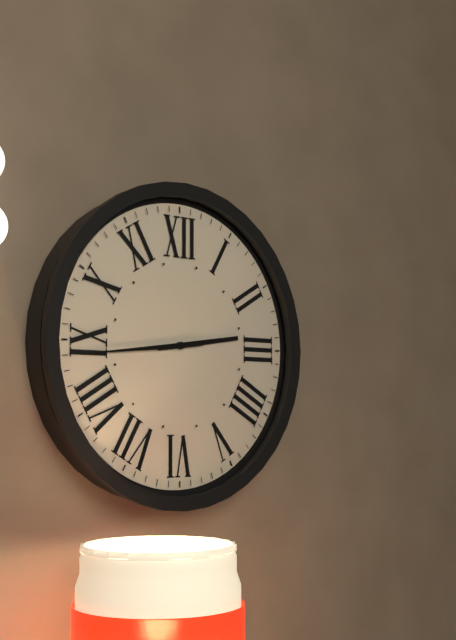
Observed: **2:44**
